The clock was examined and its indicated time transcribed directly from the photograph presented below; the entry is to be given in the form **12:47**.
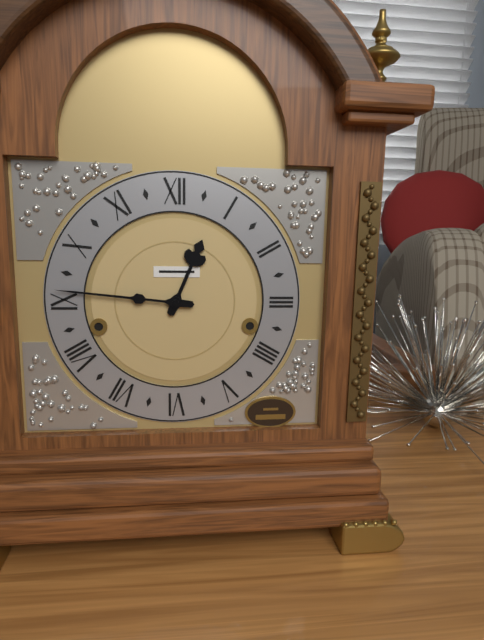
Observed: **12:46**
